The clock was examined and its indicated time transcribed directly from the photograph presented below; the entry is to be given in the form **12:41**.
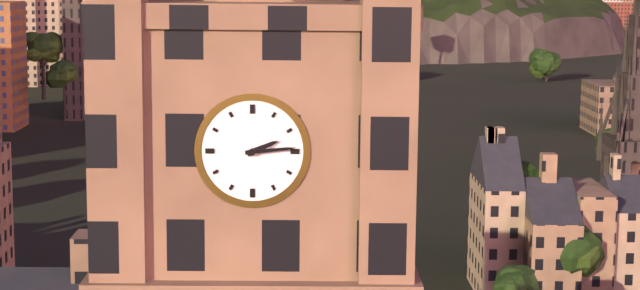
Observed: **2:14**
